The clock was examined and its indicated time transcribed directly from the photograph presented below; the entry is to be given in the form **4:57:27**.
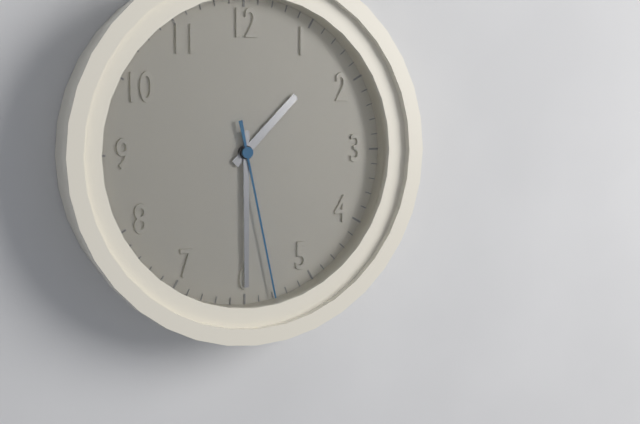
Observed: **1:30:28**
